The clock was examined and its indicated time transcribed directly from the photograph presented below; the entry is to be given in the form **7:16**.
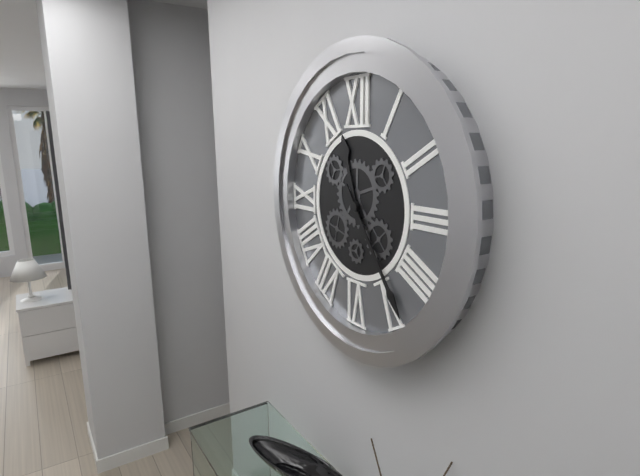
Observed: **11:24**
